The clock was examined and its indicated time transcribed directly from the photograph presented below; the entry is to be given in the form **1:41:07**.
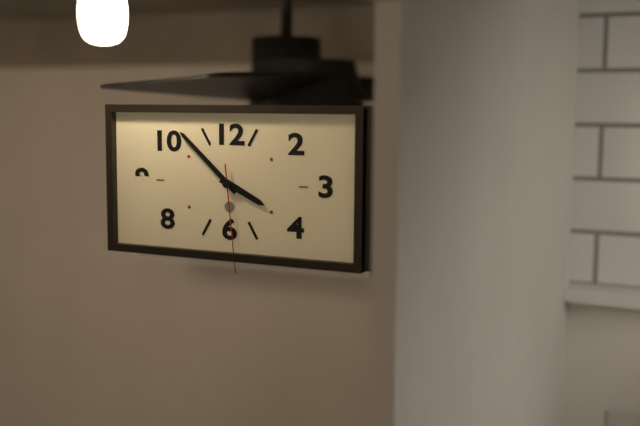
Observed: **3:52:29**
